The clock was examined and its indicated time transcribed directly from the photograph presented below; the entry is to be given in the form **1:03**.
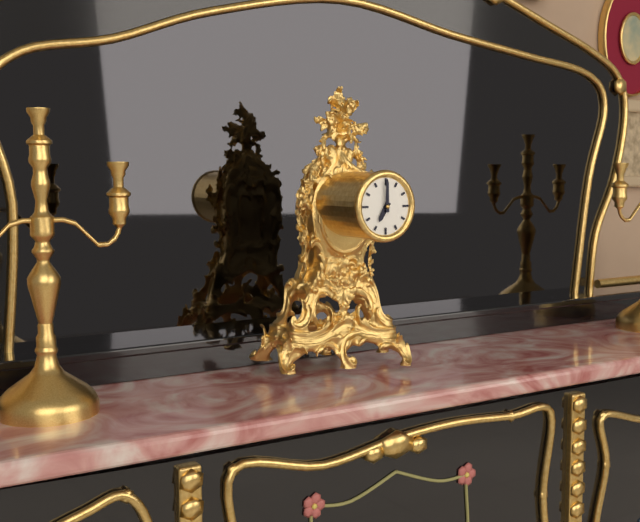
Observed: **7:00**
